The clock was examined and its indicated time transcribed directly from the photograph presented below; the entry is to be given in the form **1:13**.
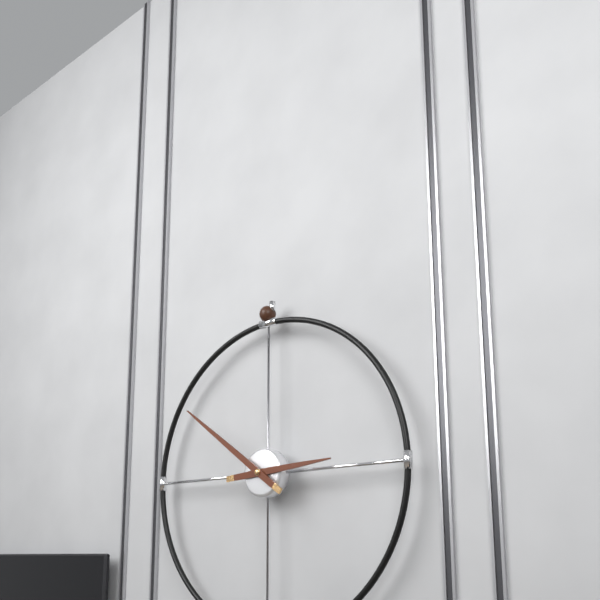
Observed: **2:51**
